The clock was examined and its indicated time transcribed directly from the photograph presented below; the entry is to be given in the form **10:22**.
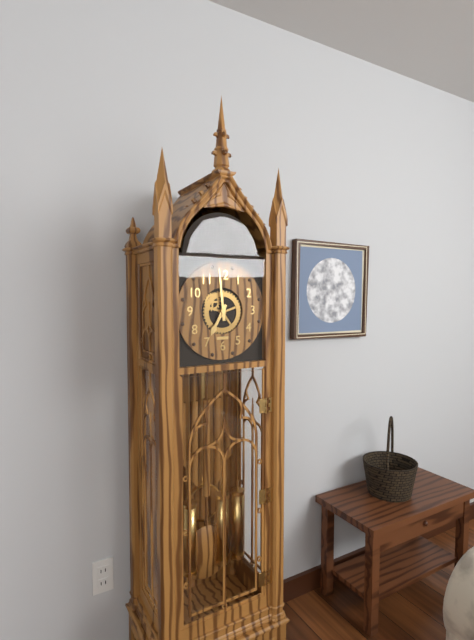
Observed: **6:59**
